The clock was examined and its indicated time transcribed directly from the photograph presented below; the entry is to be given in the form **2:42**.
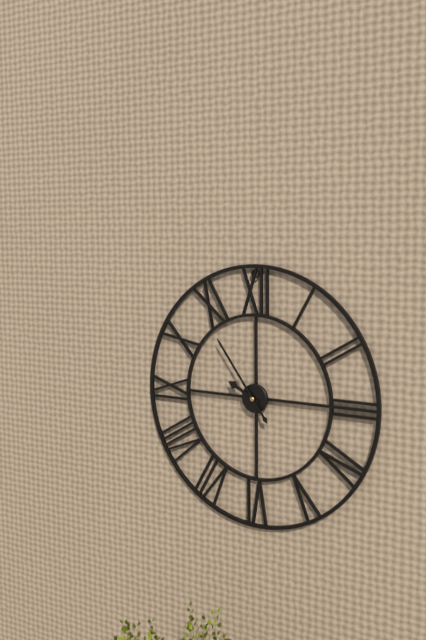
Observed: **9:54**
